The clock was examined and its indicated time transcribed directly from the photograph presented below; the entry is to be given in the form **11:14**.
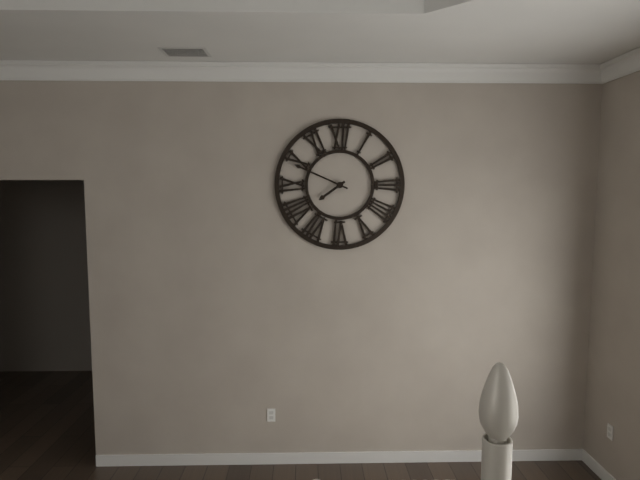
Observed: **7:49**
